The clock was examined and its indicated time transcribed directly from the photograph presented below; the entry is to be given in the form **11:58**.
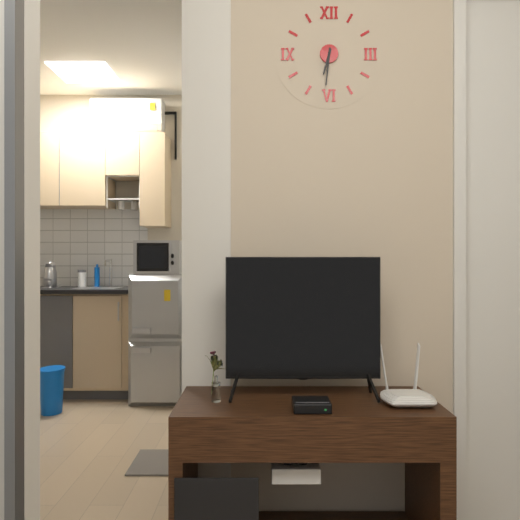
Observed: **6:31**
